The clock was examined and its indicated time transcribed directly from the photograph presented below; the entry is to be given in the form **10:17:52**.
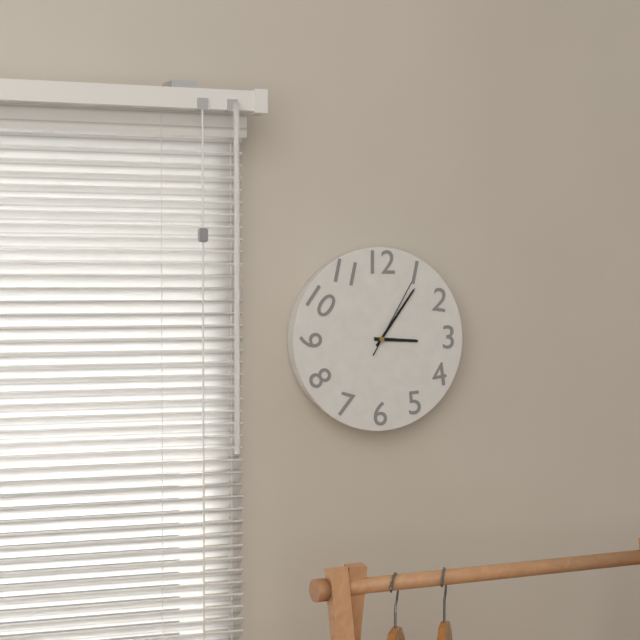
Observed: **3:06:05**
